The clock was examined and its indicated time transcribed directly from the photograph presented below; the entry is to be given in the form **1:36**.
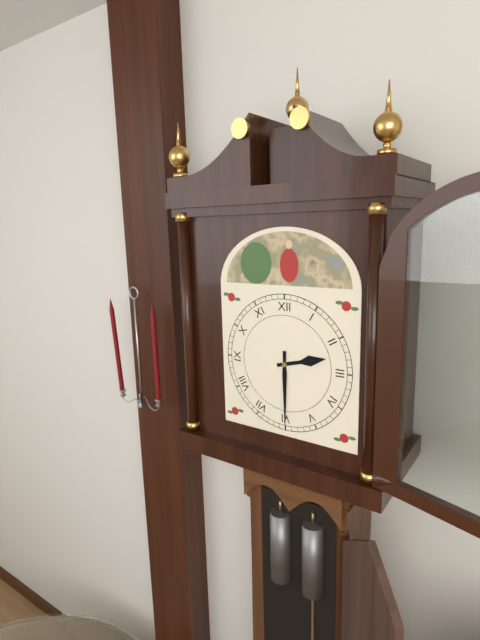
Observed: **2:30**
